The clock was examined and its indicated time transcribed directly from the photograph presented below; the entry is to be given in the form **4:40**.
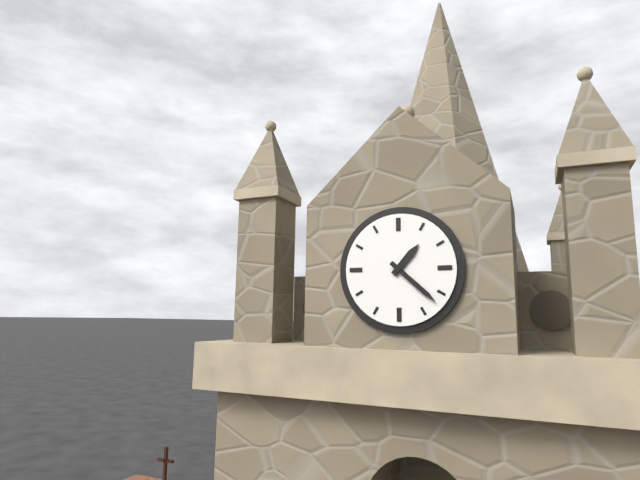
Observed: **1:22**
